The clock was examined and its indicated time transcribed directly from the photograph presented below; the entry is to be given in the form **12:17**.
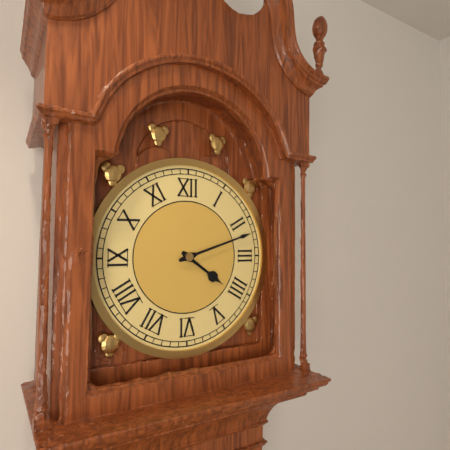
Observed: **4:12**
